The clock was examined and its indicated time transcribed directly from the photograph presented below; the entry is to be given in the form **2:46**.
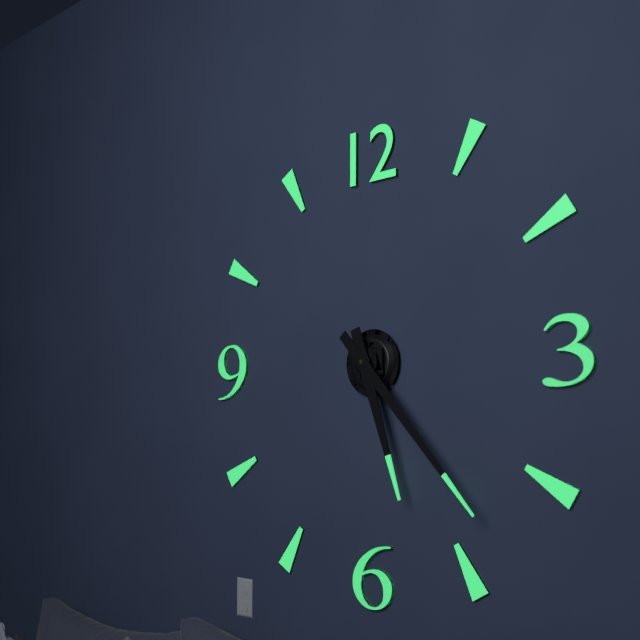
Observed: **5:23**
